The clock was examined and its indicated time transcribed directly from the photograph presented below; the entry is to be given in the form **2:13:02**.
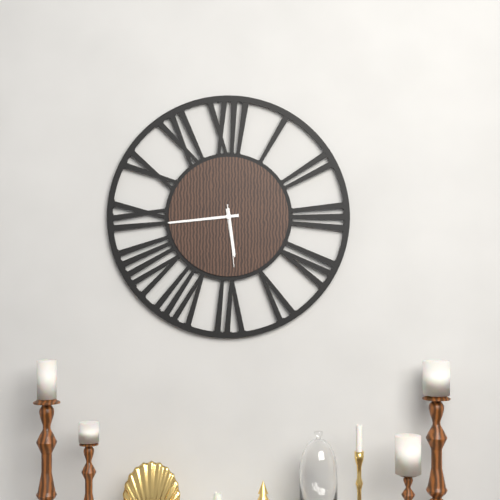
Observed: **5:44:29**
